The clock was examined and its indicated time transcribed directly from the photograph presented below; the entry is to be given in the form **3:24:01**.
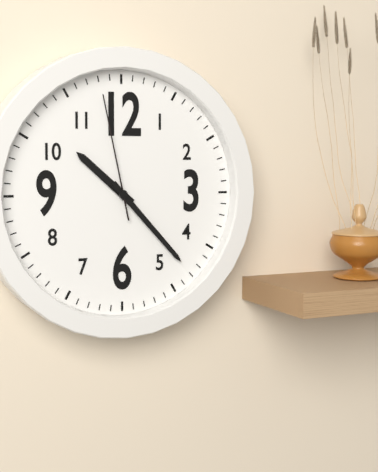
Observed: **10:23:58**
